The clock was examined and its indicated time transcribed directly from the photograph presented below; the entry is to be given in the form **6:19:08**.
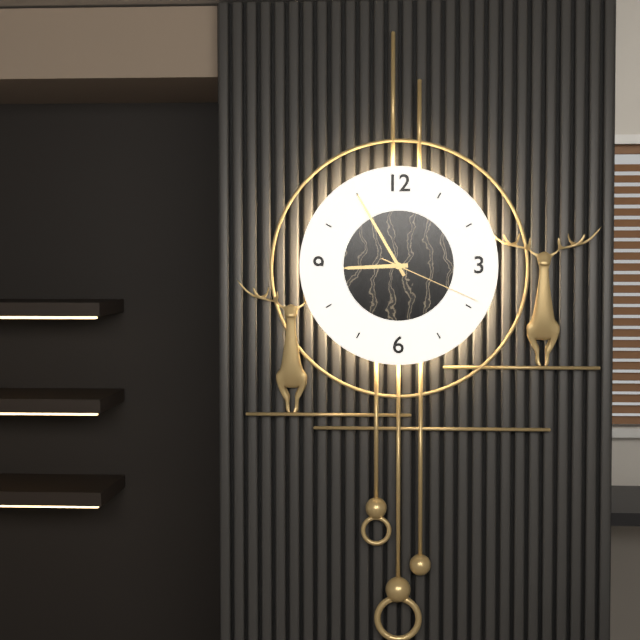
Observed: **8:55:19**
